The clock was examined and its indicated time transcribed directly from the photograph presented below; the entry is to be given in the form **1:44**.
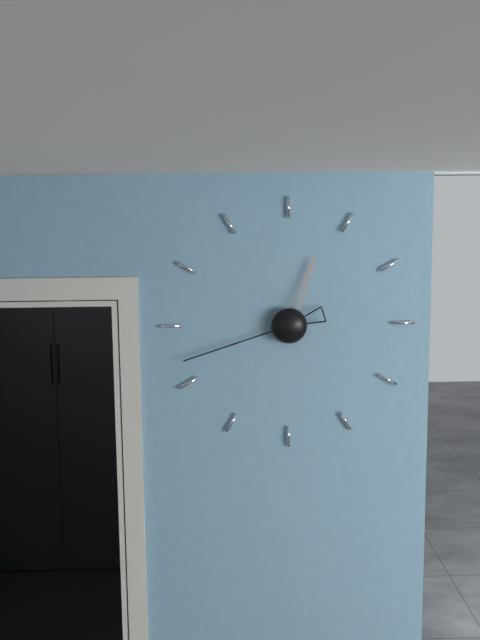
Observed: **12:42**
